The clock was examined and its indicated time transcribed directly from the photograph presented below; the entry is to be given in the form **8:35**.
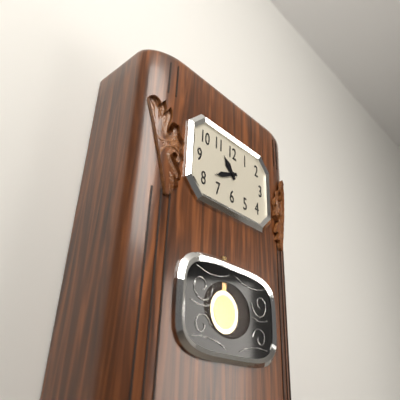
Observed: **10:41**
